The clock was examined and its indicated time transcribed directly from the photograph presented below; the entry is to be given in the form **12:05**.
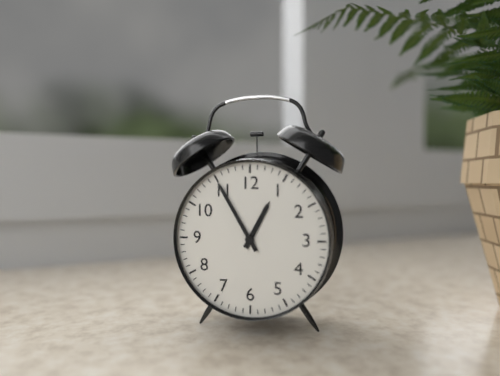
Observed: **12:55**
